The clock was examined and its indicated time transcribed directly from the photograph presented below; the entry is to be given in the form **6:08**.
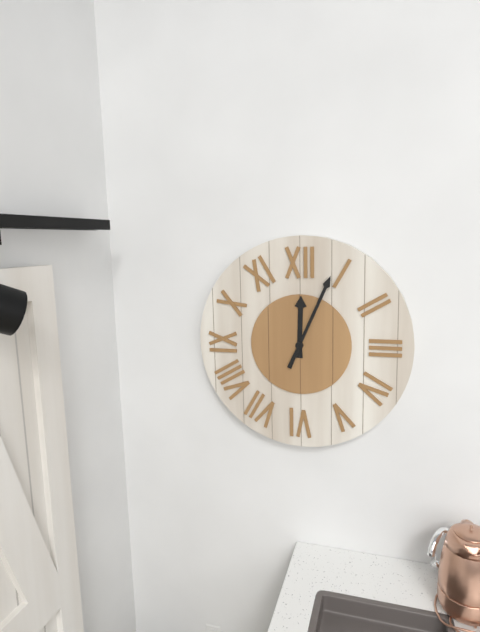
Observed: **12:04**
